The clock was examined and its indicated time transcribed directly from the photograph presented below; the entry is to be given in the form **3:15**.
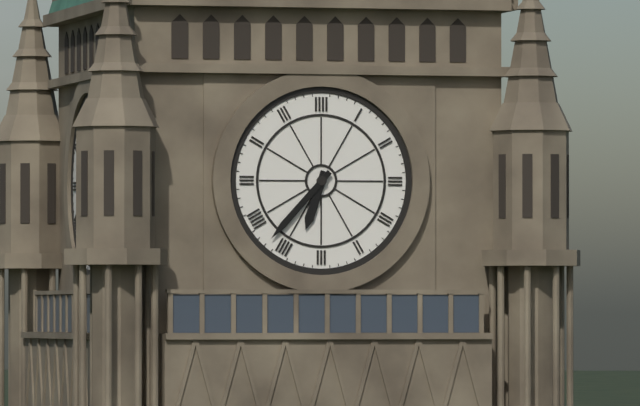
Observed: **6:37**
